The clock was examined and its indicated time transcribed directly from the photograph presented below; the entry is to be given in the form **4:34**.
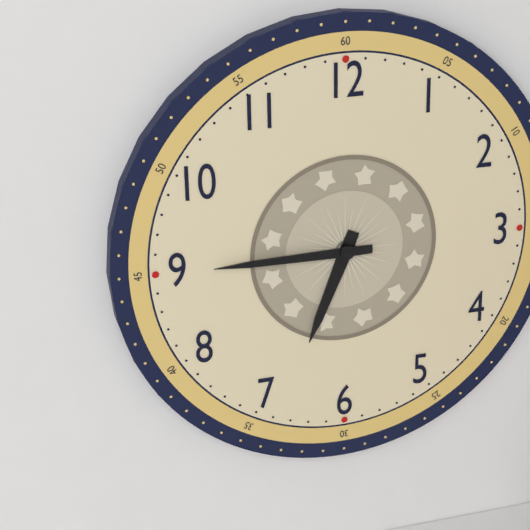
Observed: **6:45**
